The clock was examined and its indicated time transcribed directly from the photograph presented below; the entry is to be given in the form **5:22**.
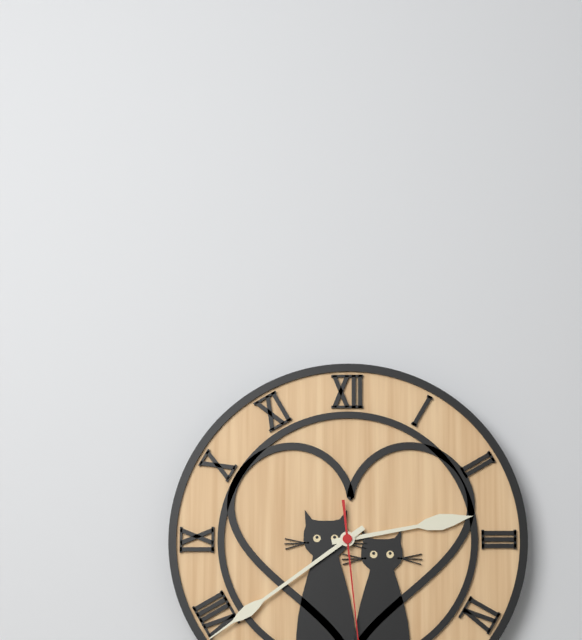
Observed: **2:39**
